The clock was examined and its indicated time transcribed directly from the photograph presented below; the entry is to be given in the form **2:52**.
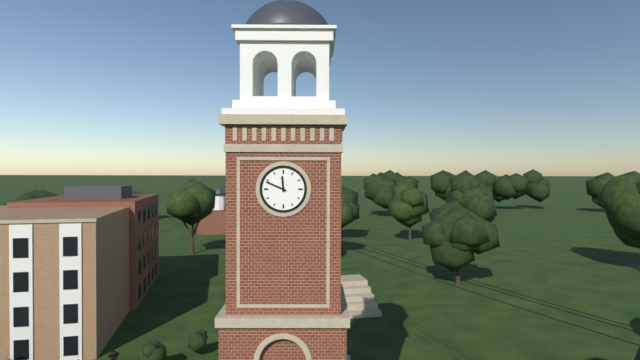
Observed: **11:49**
